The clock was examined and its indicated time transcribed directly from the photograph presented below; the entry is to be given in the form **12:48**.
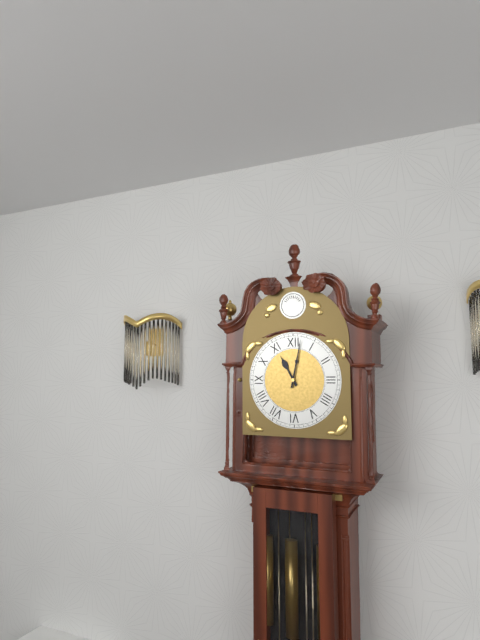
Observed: **11:02**
